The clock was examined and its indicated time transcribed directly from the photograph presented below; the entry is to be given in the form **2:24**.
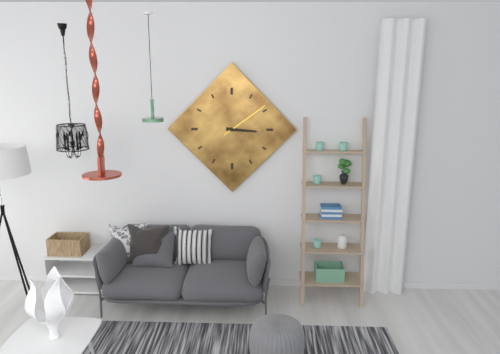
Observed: **3:09**
